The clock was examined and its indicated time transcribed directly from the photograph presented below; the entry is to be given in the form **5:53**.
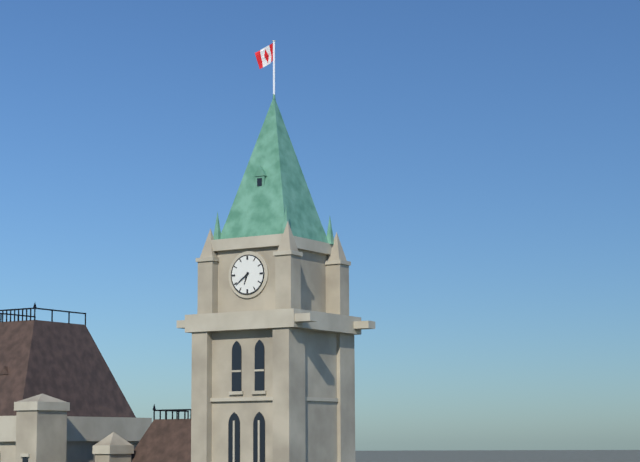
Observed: **6:39**
